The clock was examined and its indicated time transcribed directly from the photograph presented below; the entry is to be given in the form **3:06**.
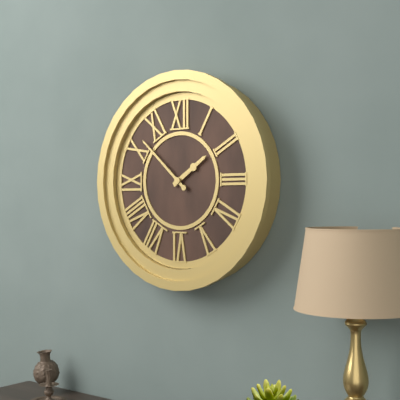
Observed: **1:52**
